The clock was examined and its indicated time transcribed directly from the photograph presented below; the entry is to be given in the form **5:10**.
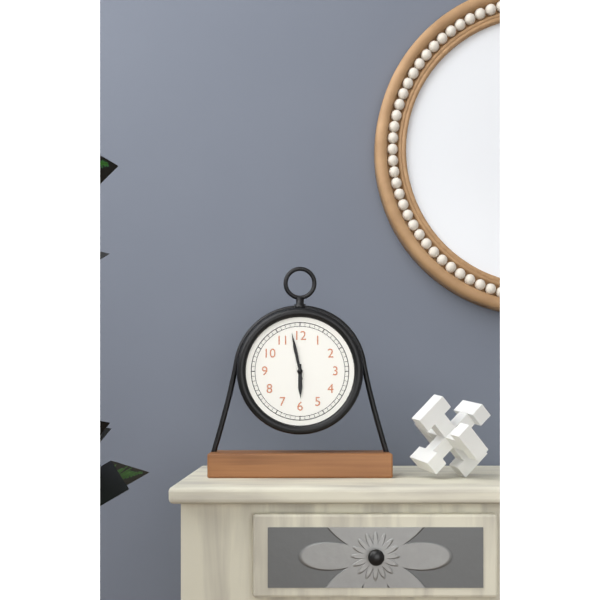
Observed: **5:58**
